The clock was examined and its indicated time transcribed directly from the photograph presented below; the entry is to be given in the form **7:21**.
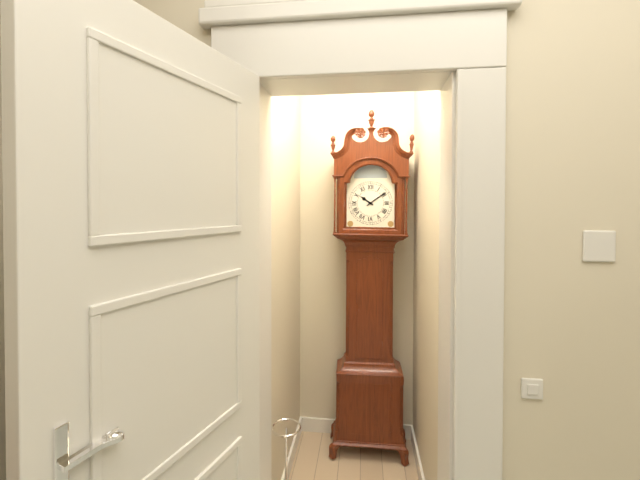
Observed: **10:09**
